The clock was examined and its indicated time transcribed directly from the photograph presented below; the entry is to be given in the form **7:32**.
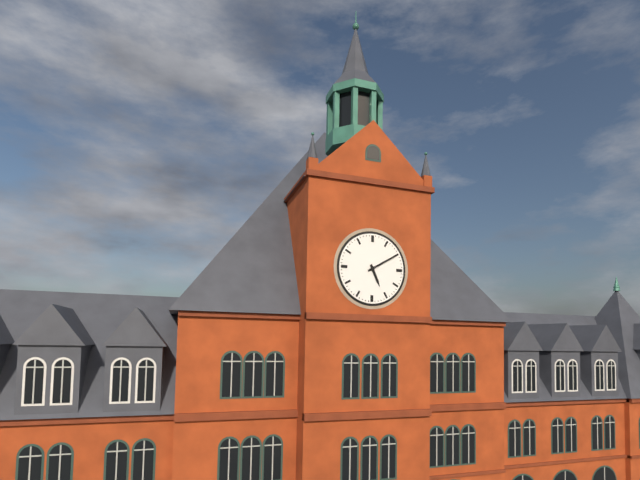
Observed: **5:10**
